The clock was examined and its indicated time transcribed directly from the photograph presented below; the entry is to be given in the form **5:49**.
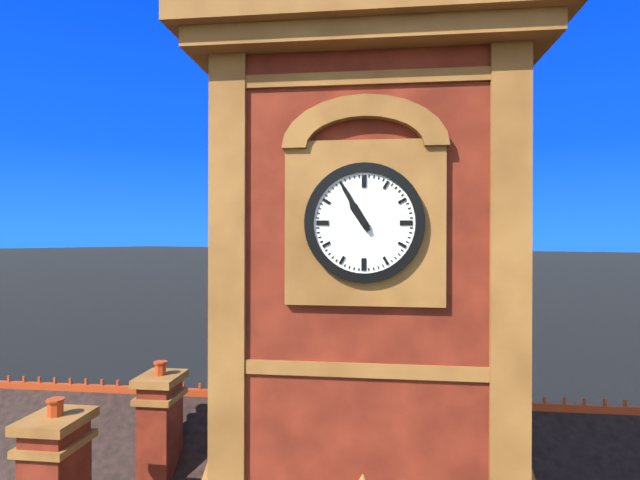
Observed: **10:55**
